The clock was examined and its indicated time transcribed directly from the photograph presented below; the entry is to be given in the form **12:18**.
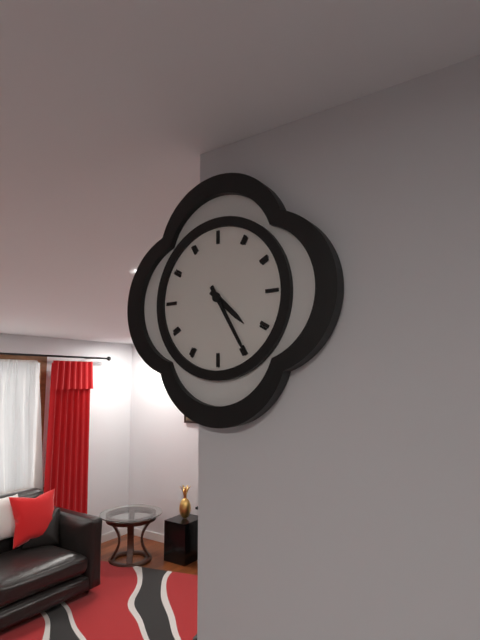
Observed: **4:25**
